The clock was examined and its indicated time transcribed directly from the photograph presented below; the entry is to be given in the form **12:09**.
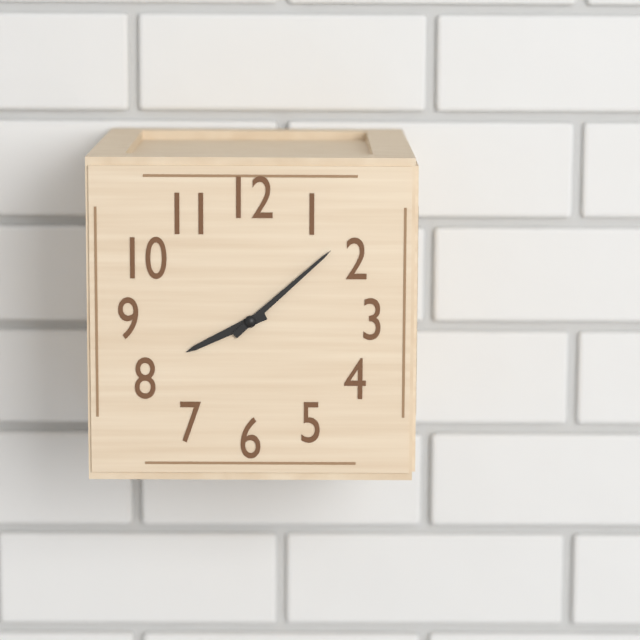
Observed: **8:08**
